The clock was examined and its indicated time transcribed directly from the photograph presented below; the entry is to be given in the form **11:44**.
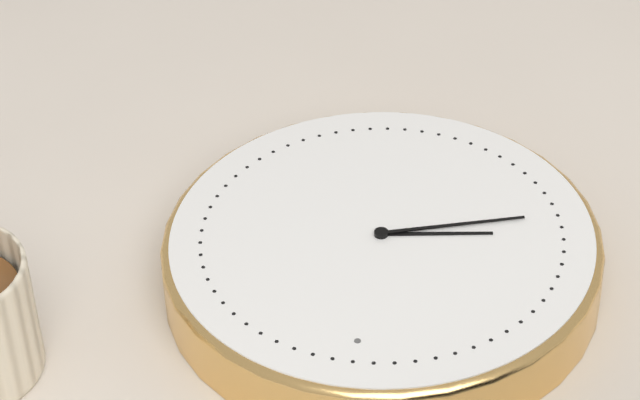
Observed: **8:42**
